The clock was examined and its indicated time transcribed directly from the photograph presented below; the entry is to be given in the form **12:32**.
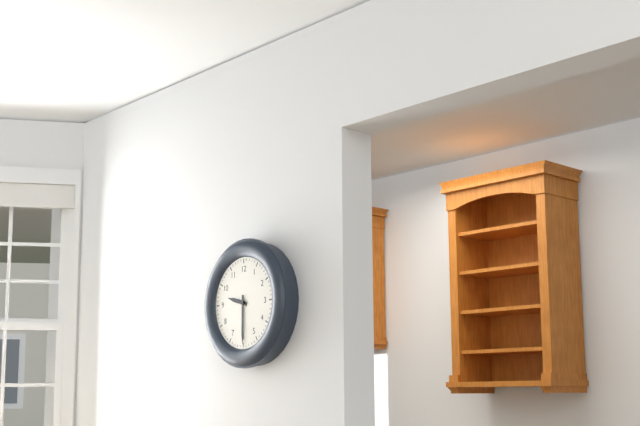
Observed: **9:30**
